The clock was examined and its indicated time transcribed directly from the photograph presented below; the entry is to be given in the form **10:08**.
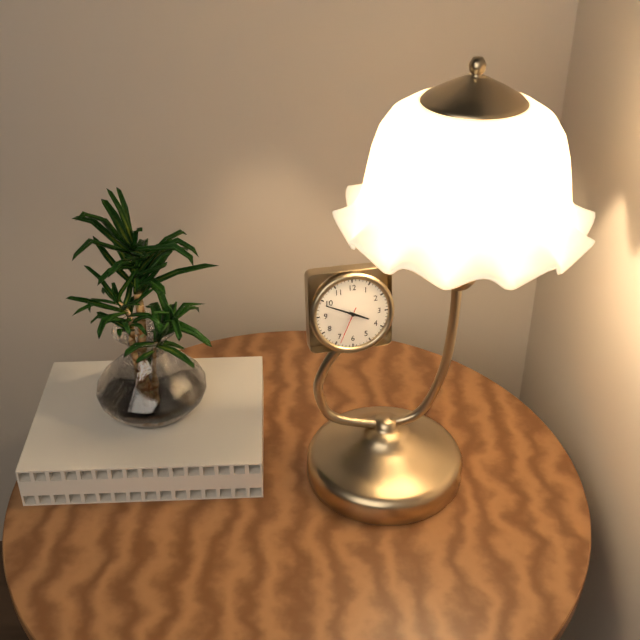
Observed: **3:49**
